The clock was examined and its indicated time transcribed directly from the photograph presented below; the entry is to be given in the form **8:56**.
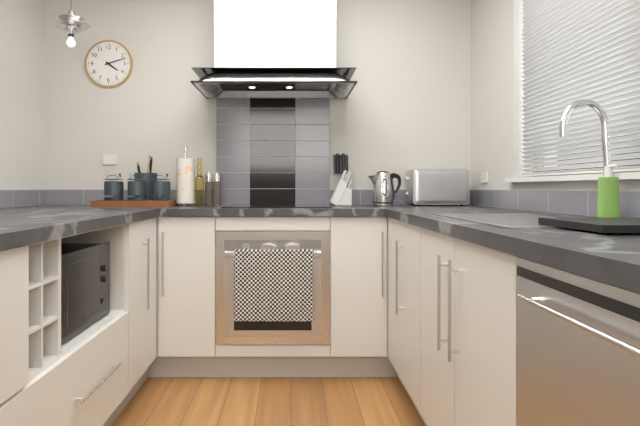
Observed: **4:12**
